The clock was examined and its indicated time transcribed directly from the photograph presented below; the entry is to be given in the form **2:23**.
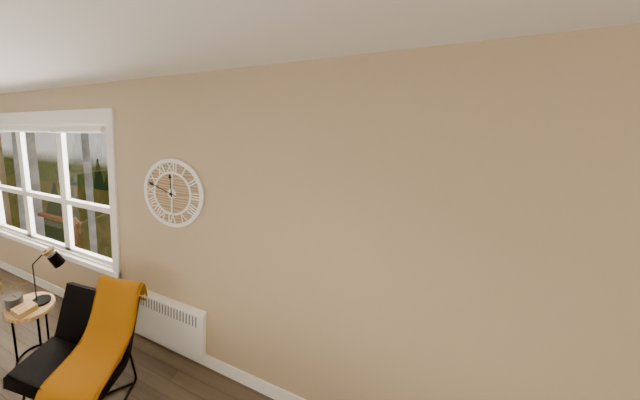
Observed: **11:48**
